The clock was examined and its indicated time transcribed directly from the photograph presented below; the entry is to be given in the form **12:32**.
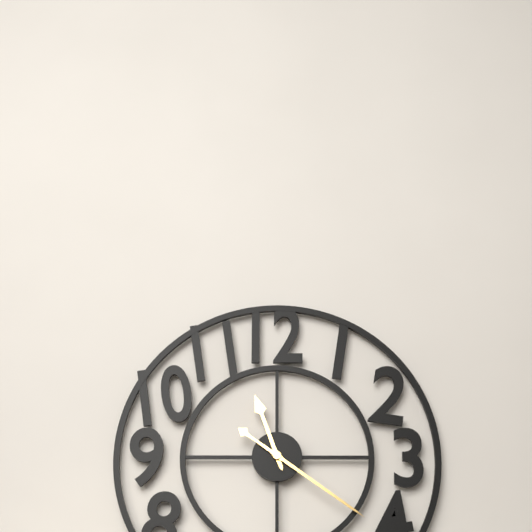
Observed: **11:21**
